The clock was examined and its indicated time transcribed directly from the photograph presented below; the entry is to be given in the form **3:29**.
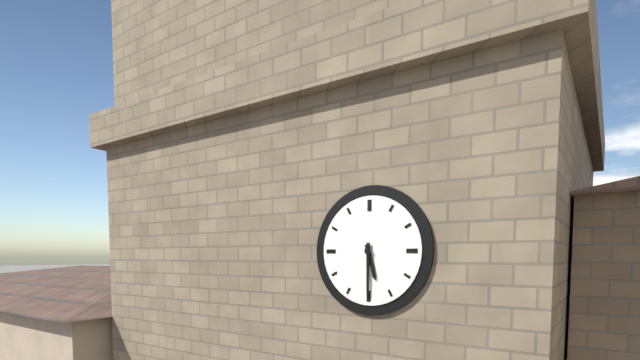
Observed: **5:30**
